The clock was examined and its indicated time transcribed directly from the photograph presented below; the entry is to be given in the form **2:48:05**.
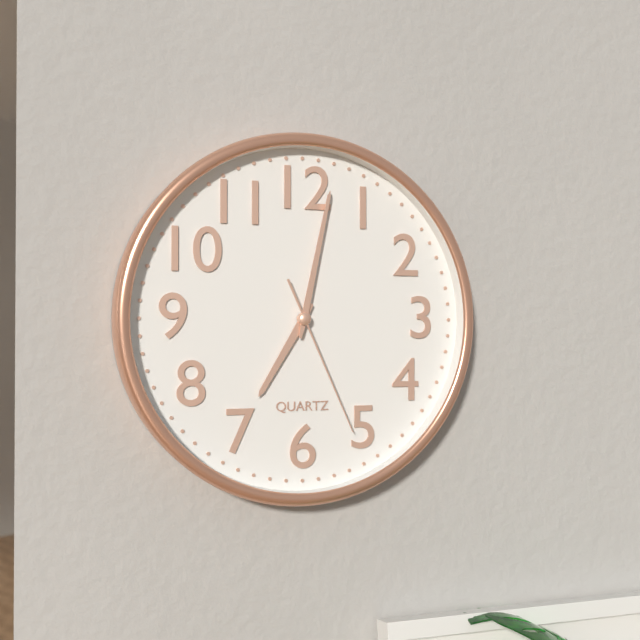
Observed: **7:02:26**
